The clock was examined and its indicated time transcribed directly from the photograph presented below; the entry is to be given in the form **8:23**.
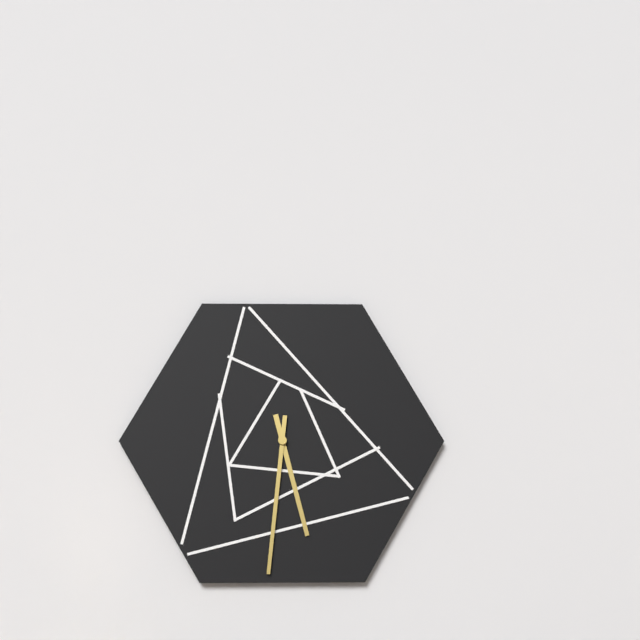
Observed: **5:31**
